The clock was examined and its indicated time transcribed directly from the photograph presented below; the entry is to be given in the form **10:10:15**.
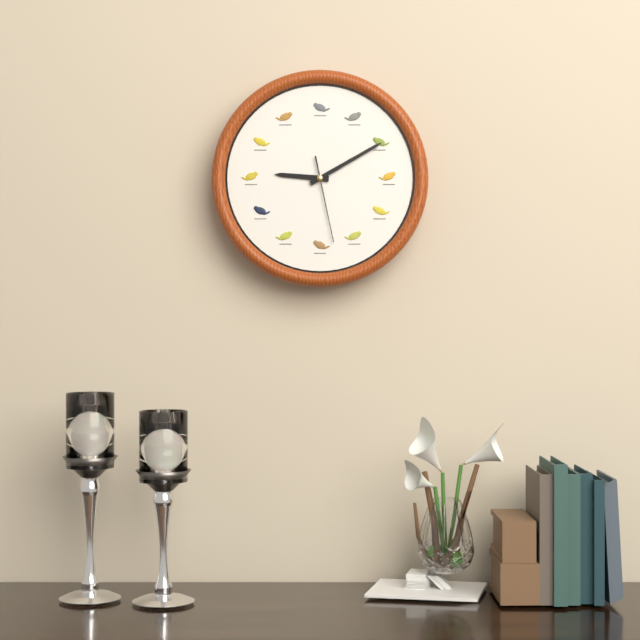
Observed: **9:10:28**
